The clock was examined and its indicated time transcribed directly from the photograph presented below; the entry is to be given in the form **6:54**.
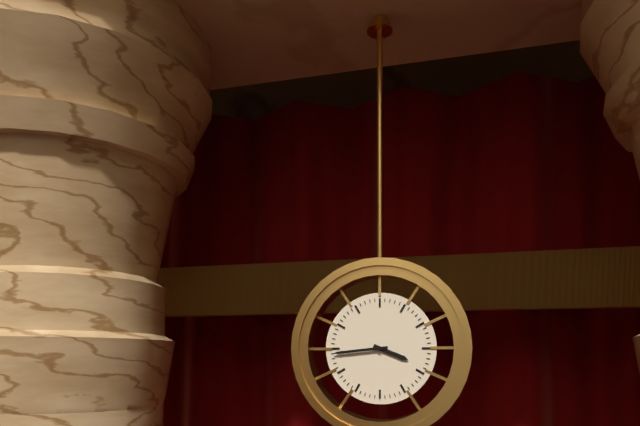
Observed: **3:44**
